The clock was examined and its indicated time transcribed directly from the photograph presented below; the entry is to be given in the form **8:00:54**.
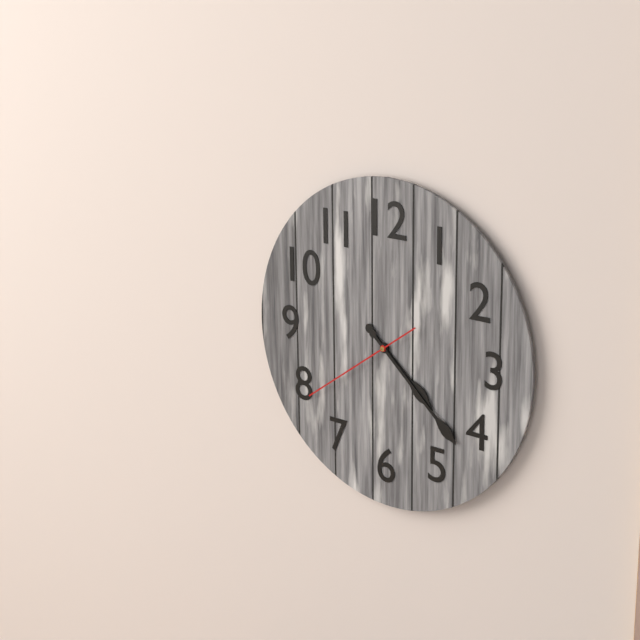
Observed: **4:22:39**
